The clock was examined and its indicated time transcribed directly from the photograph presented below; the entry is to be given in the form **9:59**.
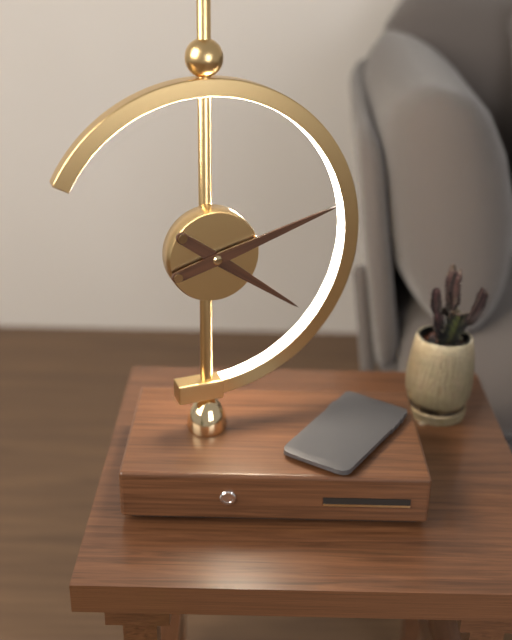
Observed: **4:12**
